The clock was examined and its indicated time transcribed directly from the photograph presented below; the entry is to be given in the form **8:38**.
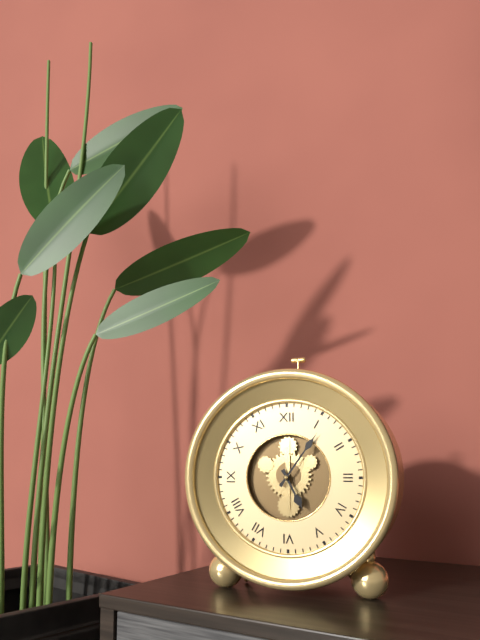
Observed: **5:06**
